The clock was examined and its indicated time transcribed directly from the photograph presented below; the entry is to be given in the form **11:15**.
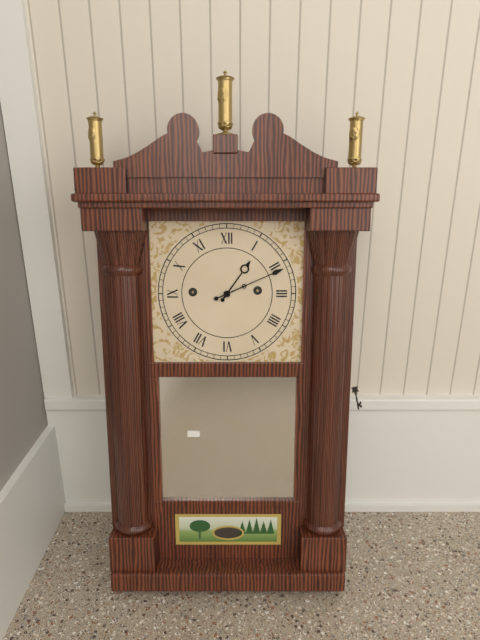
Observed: **1:11**
